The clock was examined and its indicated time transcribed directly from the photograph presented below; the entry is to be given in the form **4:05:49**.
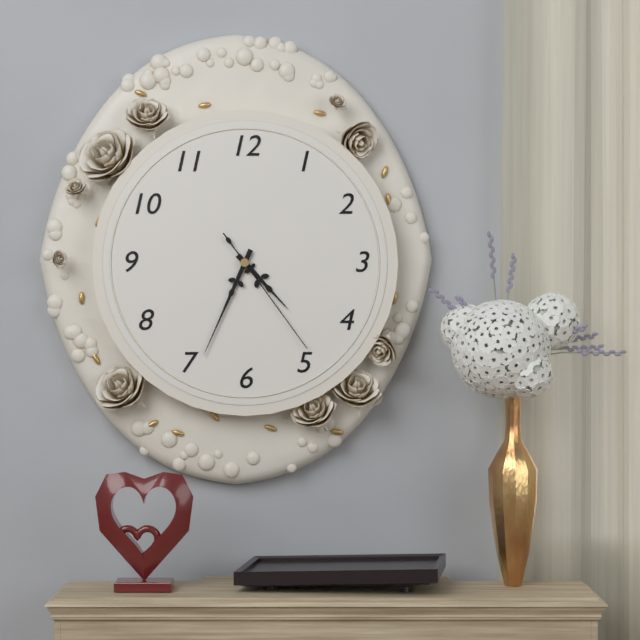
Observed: **4:34:24**
